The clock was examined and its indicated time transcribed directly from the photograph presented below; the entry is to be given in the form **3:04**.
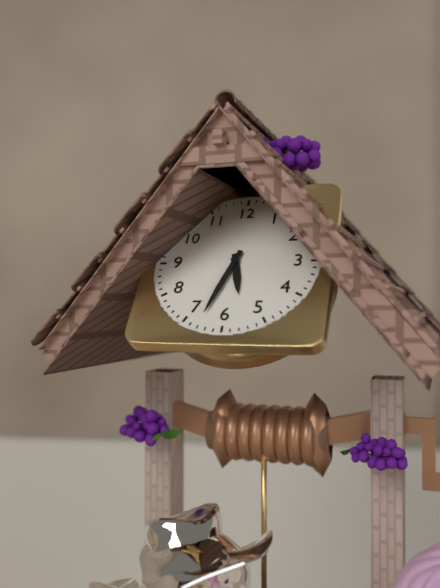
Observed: **5:33**
